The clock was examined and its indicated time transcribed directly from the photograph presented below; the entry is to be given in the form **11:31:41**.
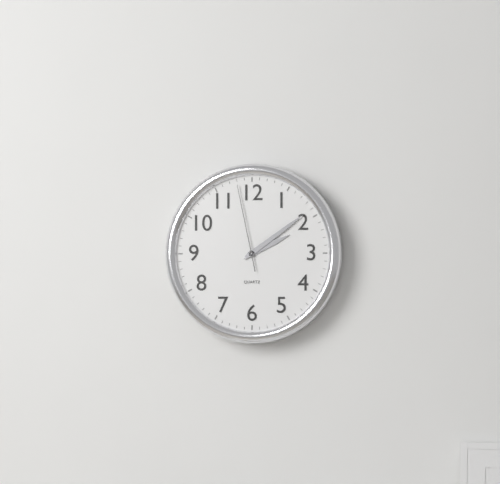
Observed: **2:09:58**
